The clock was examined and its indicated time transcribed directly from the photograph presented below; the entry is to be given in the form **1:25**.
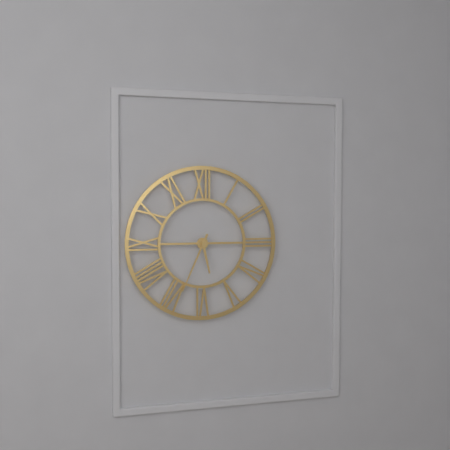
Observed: **5:34**
